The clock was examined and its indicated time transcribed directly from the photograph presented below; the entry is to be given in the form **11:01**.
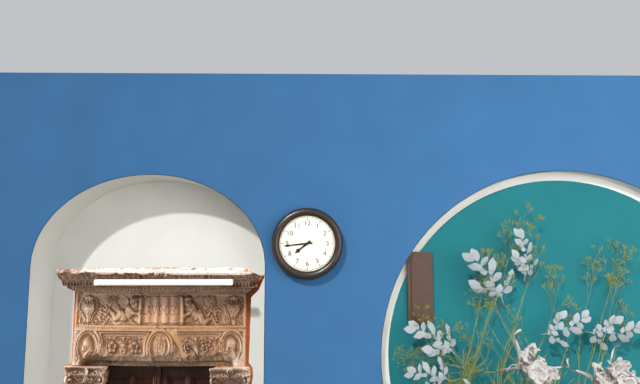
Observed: **7:44**
